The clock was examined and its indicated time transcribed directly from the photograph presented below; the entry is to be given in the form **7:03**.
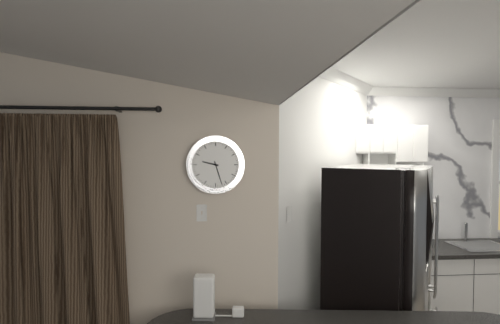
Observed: **9:27**
